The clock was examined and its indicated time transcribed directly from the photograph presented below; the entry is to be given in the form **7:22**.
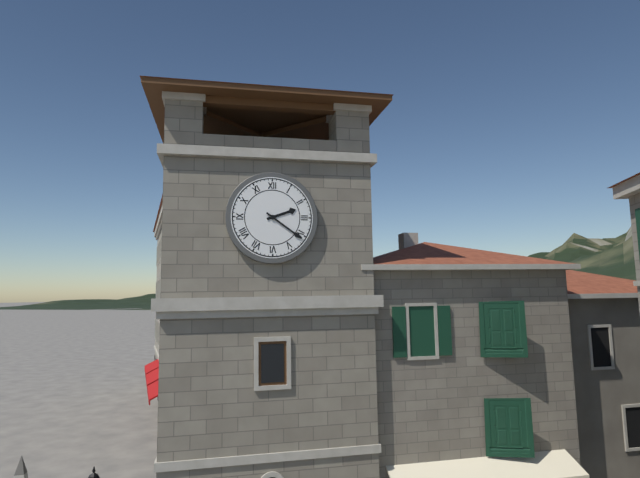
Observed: **2:21**
